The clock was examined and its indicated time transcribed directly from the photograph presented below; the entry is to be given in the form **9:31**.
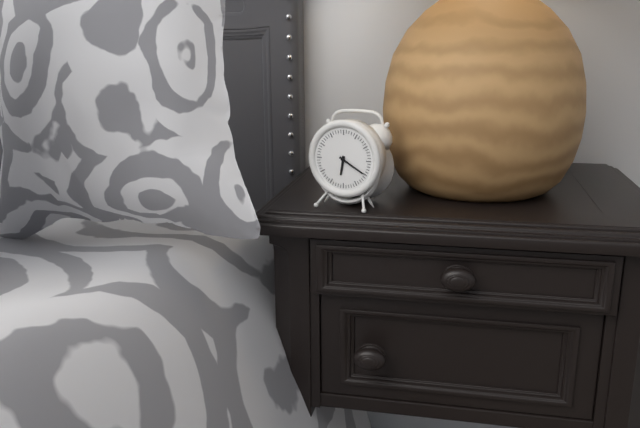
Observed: **6:20**
